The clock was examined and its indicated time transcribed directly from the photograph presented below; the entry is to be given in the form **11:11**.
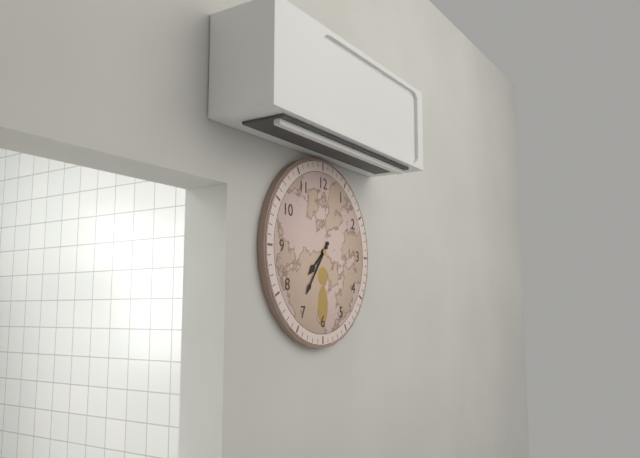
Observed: **7:36**
